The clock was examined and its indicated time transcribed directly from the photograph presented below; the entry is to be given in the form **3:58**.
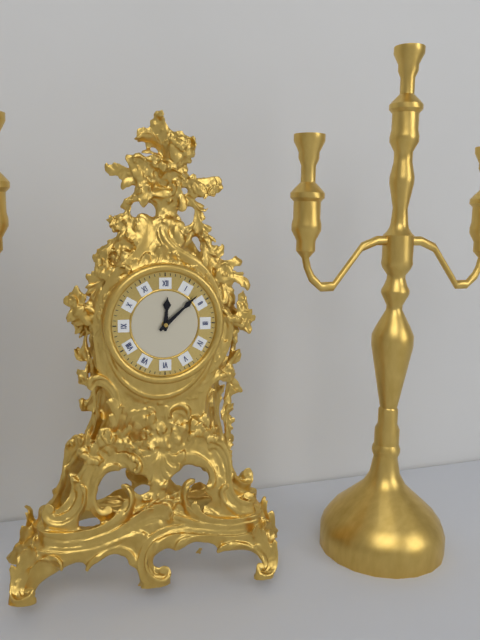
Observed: **12:08**
